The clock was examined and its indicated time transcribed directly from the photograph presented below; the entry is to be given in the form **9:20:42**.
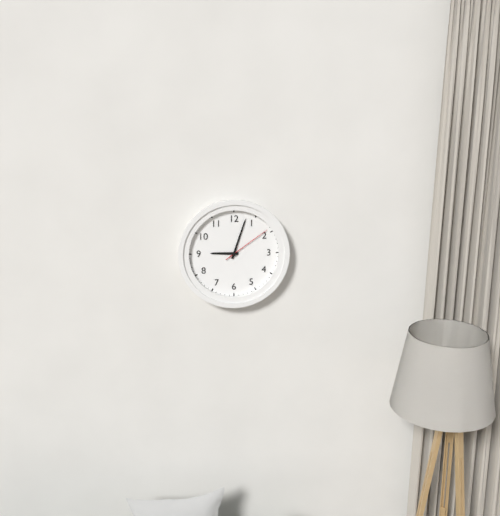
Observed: **9:03:09**
